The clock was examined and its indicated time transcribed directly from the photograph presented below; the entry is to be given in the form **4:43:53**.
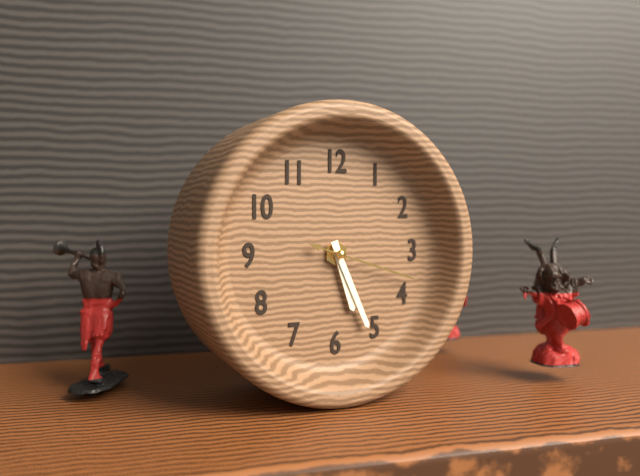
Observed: **5:26:18**
